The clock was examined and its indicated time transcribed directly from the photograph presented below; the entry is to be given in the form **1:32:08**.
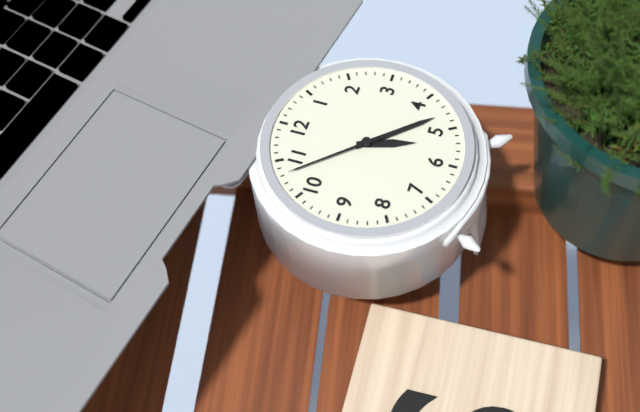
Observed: **5:23:53**
